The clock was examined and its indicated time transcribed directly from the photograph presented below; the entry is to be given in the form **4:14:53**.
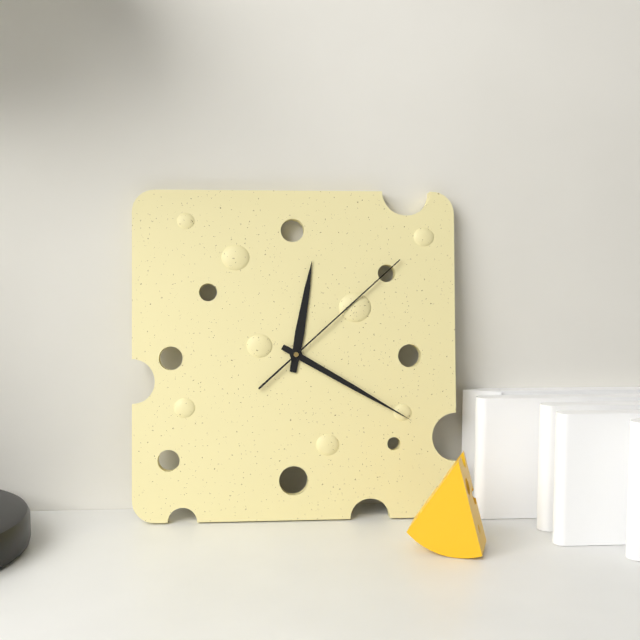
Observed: **12:20:08**
